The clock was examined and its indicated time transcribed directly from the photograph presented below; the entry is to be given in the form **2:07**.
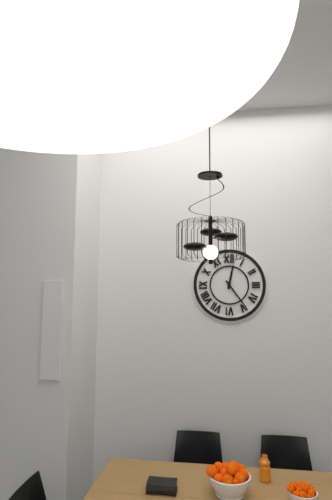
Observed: **12:24**
